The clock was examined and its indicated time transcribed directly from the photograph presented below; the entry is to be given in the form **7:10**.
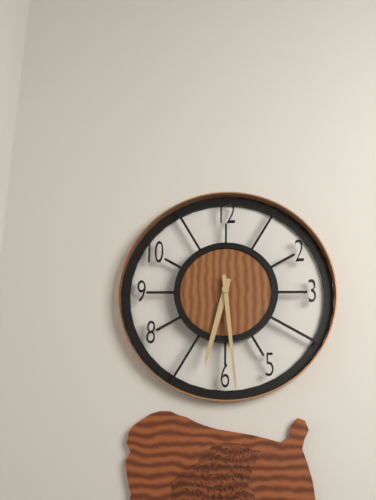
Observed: **6:29**
